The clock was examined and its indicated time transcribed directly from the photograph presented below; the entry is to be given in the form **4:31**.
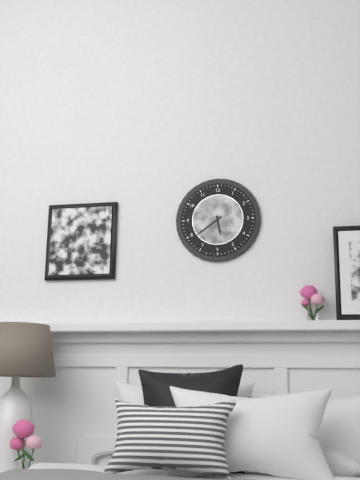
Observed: **5:39**
